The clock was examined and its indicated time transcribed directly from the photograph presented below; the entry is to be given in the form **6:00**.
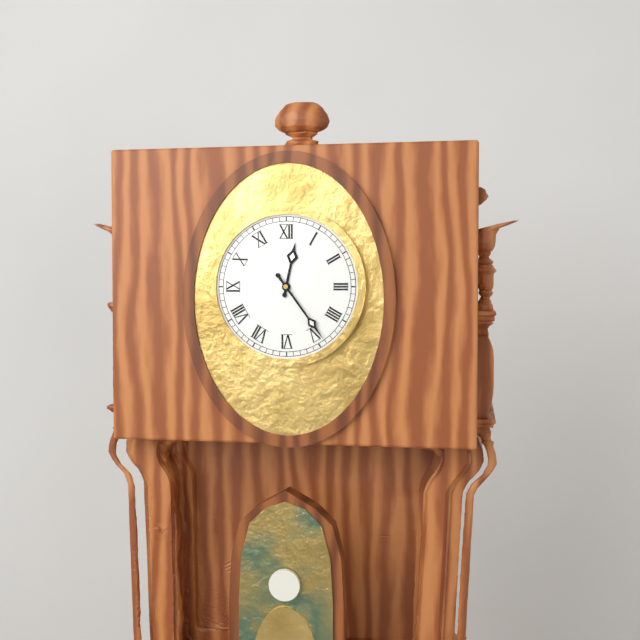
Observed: **12:24**
